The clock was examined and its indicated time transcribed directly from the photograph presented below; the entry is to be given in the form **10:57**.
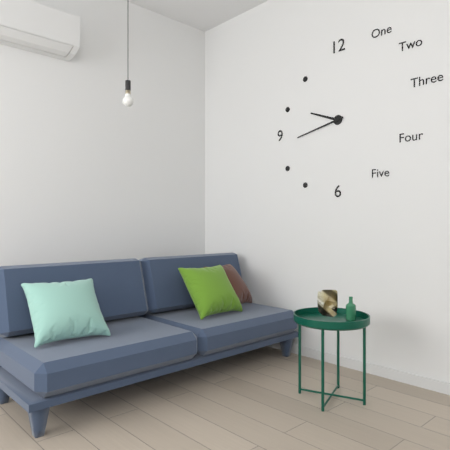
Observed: **9:43**
